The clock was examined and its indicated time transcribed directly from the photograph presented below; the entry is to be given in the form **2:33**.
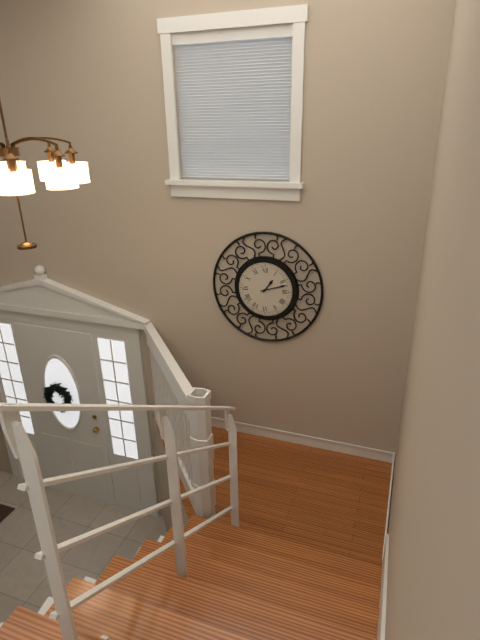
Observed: **1:12**
